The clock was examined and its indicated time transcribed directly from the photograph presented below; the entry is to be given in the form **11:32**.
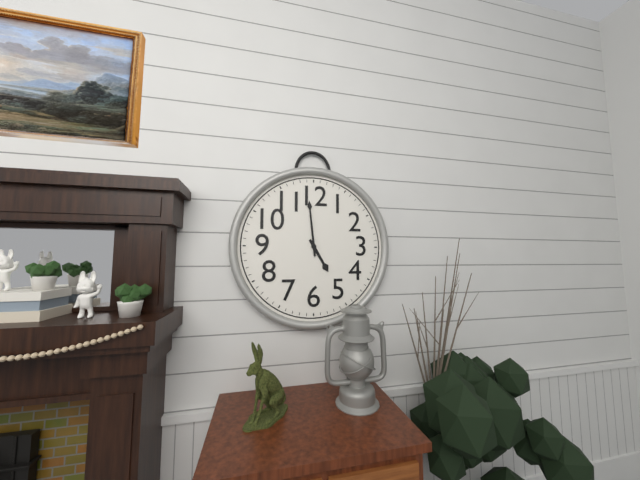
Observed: **4:59**
